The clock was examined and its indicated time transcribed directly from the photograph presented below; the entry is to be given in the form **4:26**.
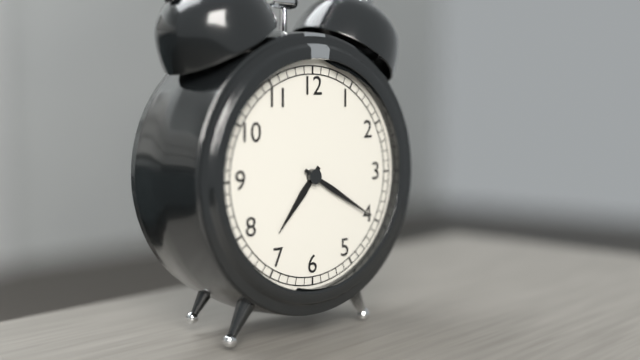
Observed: **7:20**
